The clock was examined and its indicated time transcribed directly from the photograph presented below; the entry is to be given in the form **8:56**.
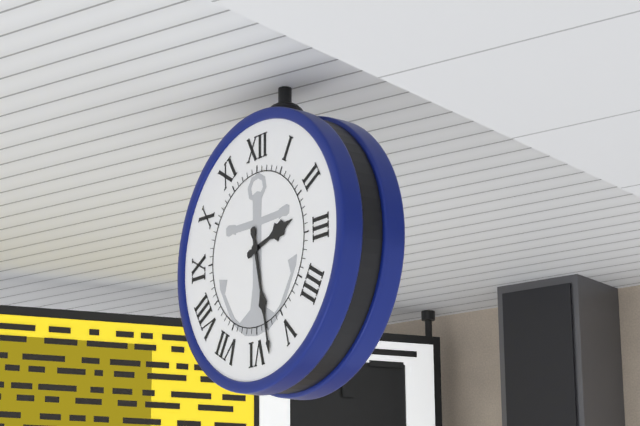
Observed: **2:28**
